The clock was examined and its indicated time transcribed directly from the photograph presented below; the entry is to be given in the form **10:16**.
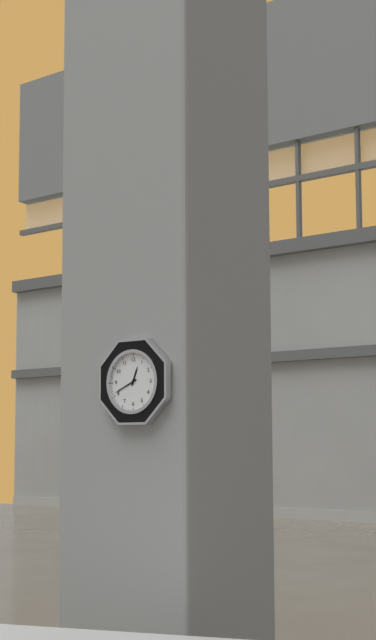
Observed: **12:41**
